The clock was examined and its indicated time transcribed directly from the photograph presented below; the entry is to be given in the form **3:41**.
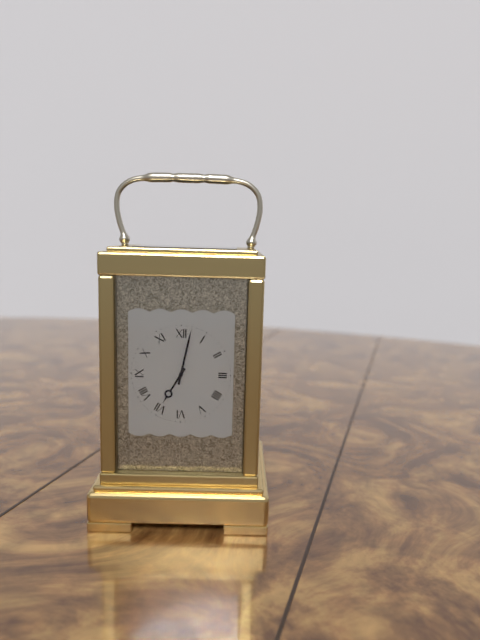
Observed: **7:02**
